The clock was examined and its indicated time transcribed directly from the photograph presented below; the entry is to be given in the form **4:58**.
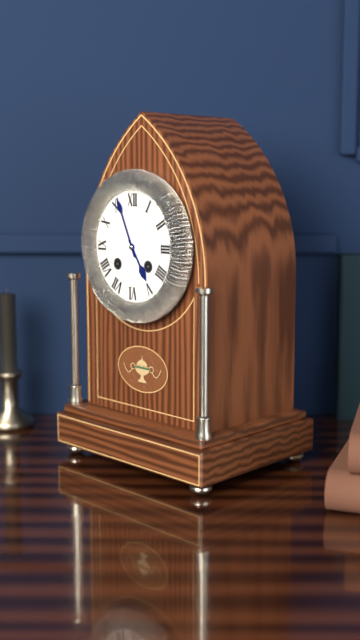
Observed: **4:56**
